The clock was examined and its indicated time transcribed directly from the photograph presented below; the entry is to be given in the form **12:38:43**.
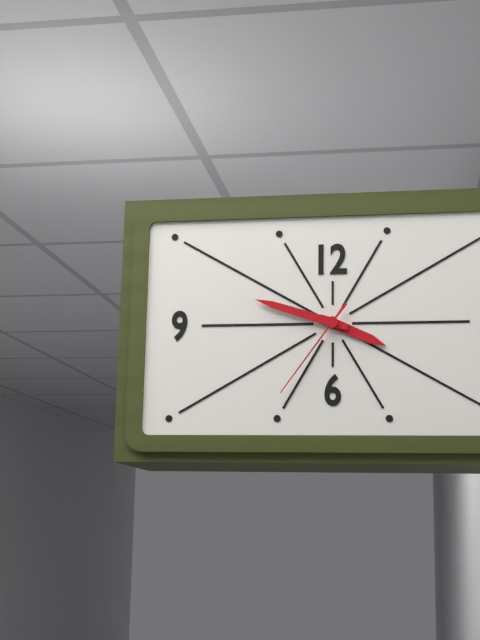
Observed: **3:48:36**
